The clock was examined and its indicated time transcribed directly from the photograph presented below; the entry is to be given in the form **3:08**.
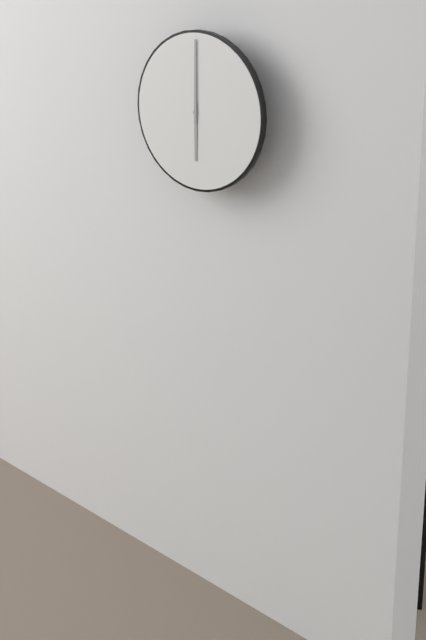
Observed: **6:00**
